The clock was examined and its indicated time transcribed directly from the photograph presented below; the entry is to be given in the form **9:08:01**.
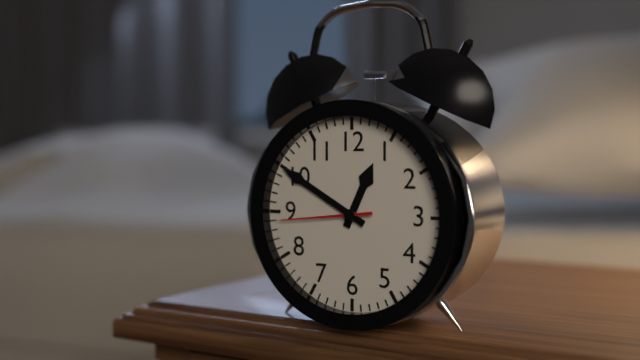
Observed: **12:50:44**
